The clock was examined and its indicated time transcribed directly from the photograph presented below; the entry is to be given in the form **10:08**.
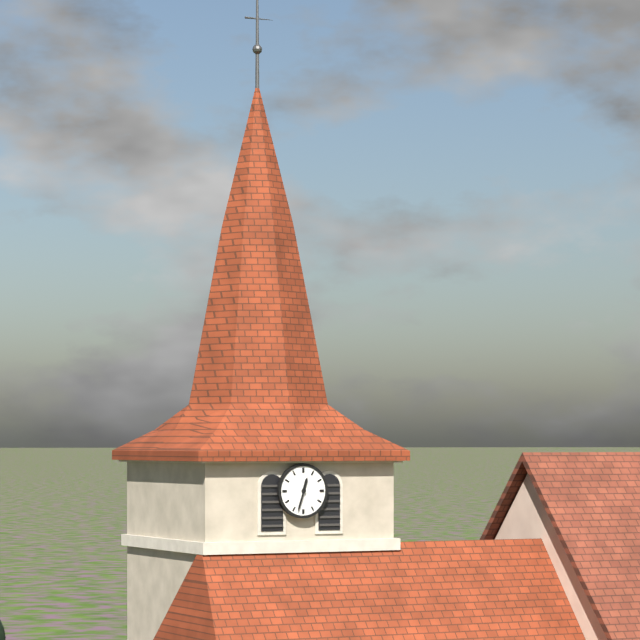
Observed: **12:33**
